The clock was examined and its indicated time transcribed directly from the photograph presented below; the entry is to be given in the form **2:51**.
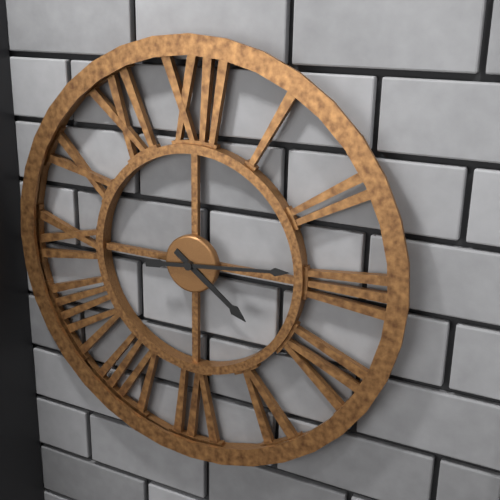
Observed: **4:14**
